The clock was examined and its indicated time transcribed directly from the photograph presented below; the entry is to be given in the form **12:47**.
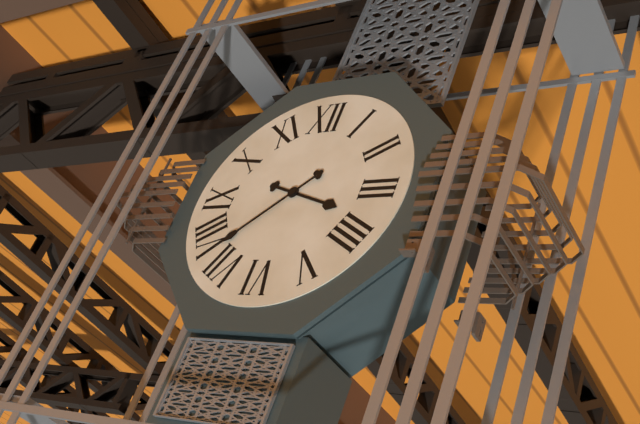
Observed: **3:38**
